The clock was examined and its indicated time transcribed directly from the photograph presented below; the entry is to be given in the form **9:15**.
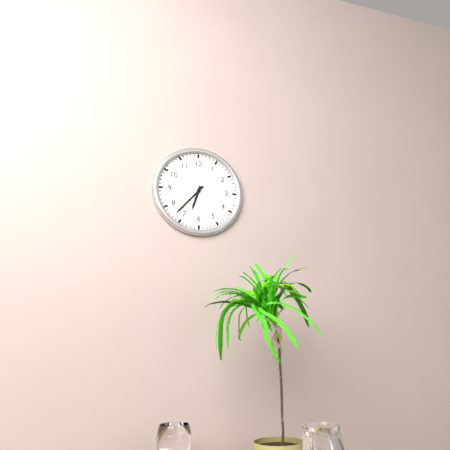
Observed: **6:37**
